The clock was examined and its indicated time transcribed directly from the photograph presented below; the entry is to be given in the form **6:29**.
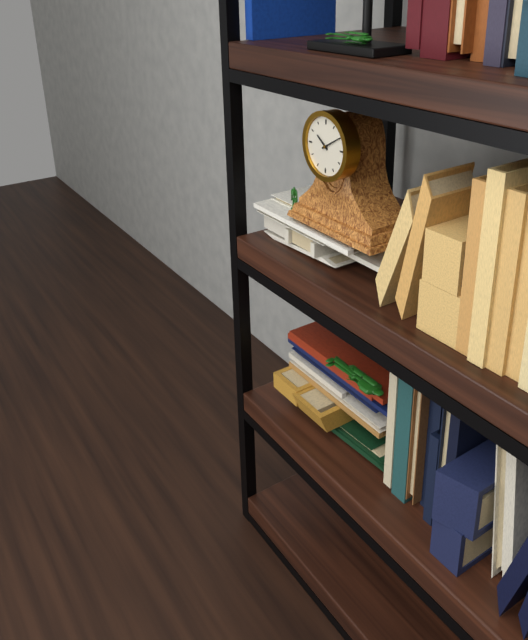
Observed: **10:10**
